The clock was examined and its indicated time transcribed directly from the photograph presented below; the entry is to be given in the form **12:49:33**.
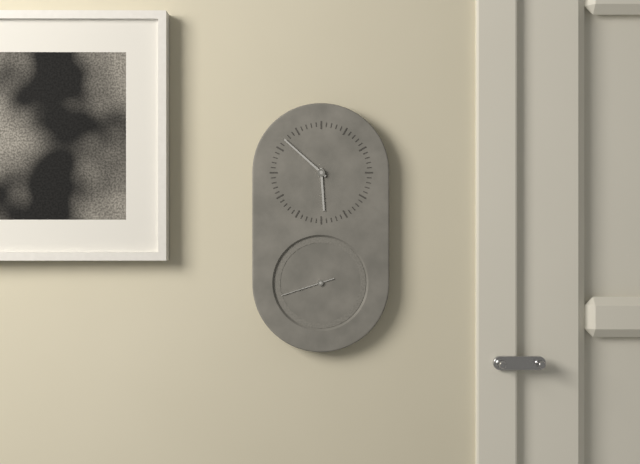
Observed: **5:52:42**
